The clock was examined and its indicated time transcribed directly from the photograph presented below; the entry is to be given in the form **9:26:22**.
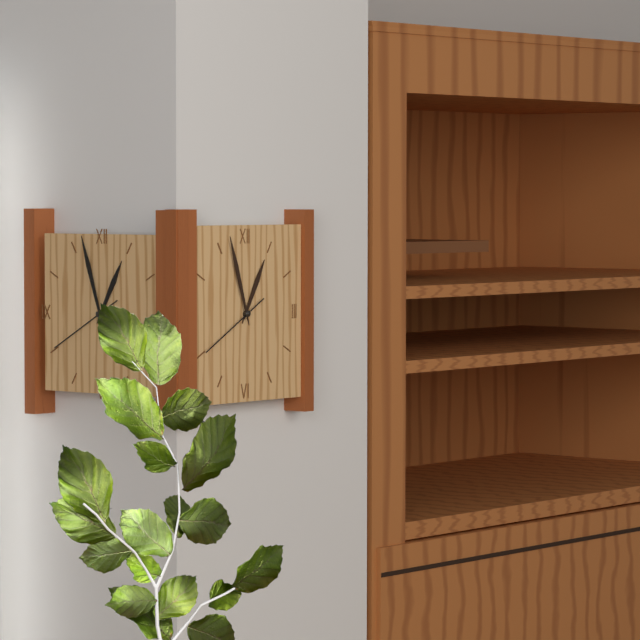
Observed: **12:57:40**
